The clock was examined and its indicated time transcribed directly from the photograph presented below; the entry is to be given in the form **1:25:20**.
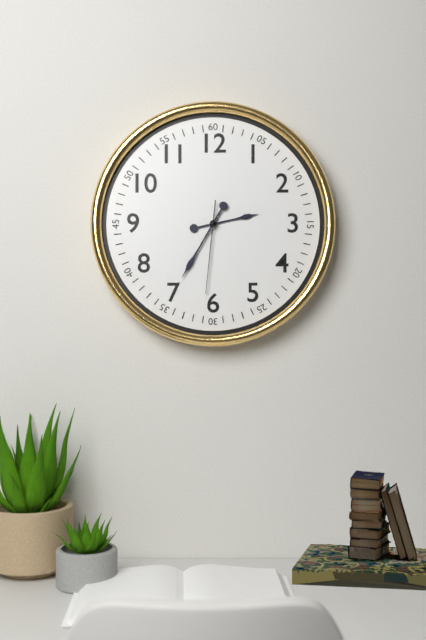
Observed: **2:35:31**
